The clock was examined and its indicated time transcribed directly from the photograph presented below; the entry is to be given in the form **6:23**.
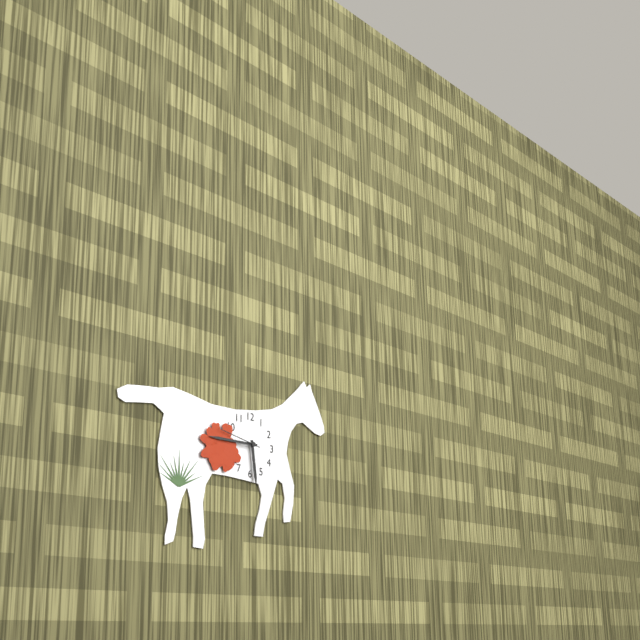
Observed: **5:45**
